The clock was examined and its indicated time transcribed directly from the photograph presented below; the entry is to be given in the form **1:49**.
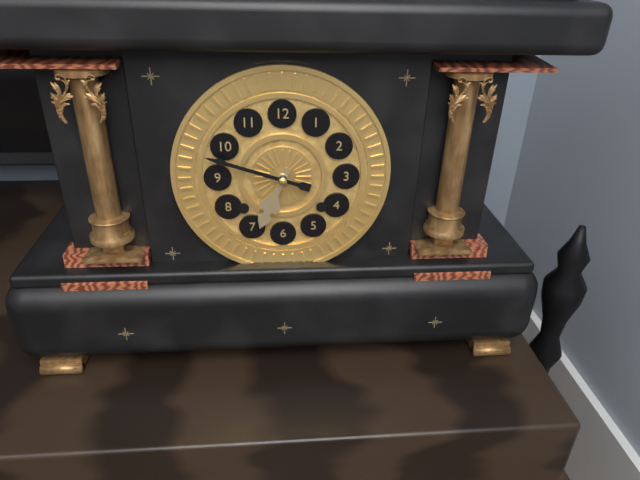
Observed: **6:48**
